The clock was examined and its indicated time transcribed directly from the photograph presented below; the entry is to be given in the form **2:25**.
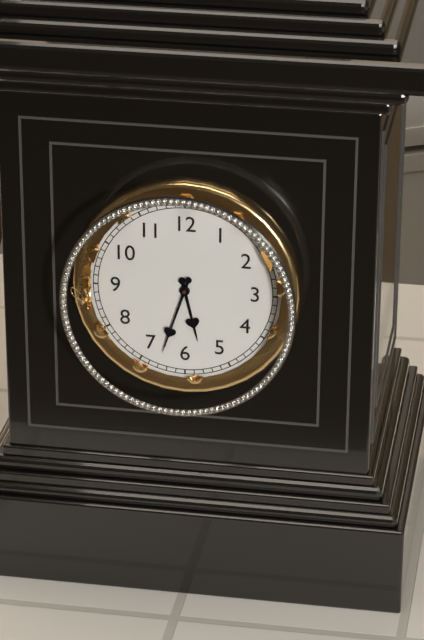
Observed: **5:33**
